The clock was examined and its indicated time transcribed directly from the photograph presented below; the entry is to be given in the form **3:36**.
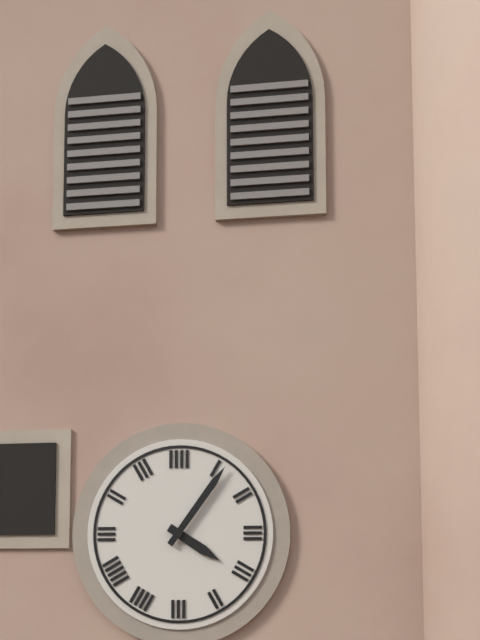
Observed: **4:06**
